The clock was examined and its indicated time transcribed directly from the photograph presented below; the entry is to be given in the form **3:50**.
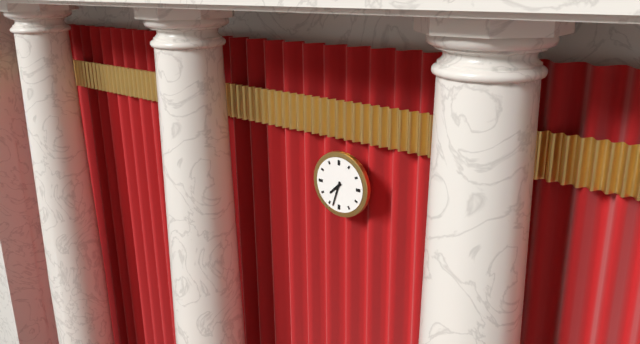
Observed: **7:33**
